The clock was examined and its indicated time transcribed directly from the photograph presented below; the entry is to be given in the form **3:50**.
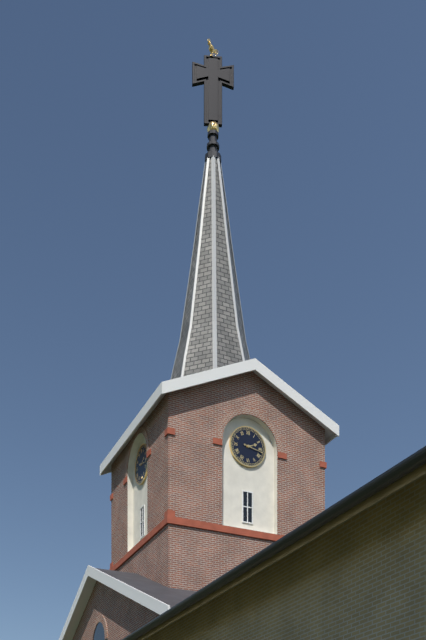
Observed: **2:17**
